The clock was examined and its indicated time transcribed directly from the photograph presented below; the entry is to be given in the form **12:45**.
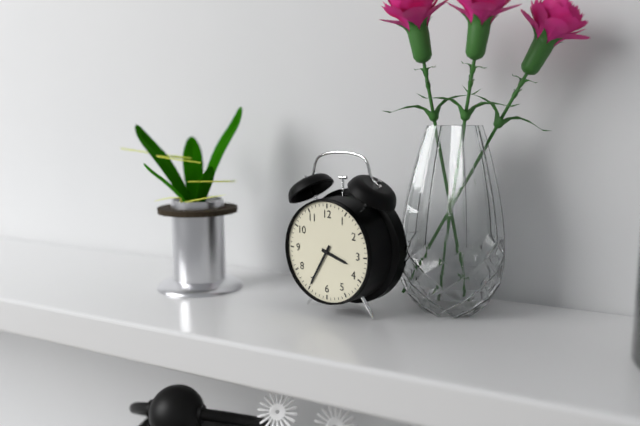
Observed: **3:35**
